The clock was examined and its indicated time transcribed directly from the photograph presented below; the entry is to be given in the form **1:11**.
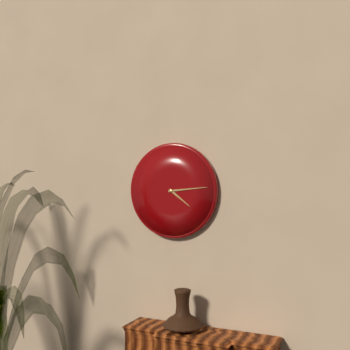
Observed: **4:14**
